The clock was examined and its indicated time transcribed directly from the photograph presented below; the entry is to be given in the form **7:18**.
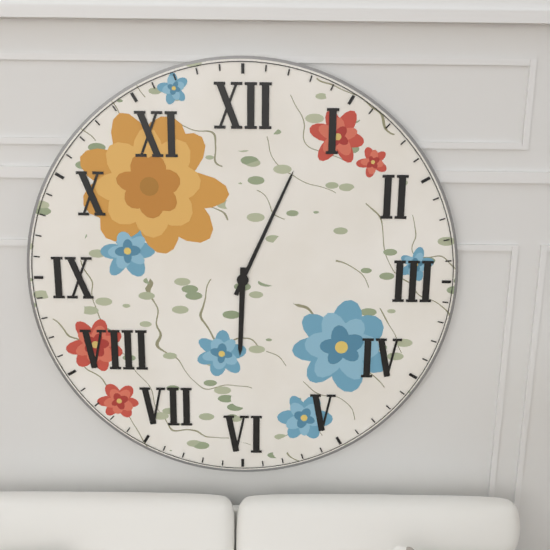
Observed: **6:04**
